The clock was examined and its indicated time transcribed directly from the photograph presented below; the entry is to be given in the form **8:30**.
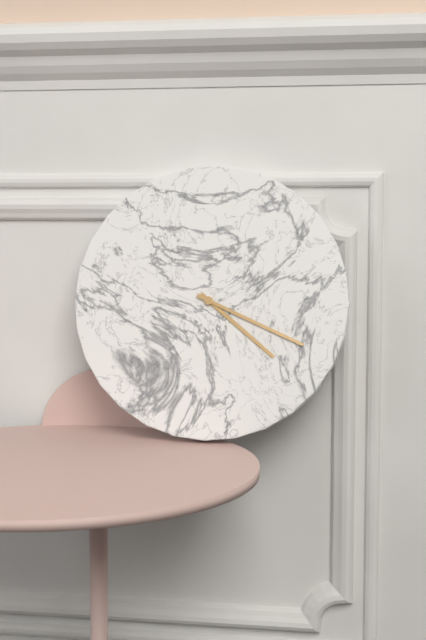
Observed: **4:19**
